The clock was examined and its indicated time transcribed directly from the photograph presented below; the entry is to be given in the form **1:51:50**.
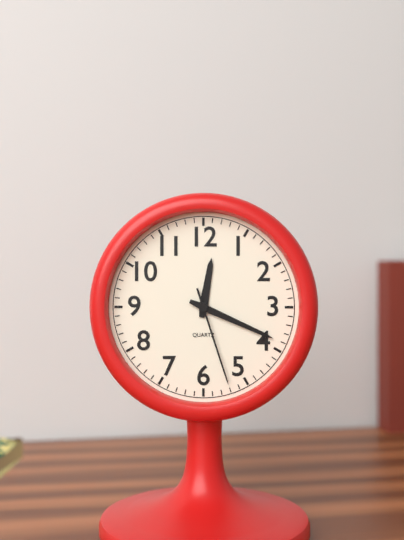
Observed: **12:19:27**
